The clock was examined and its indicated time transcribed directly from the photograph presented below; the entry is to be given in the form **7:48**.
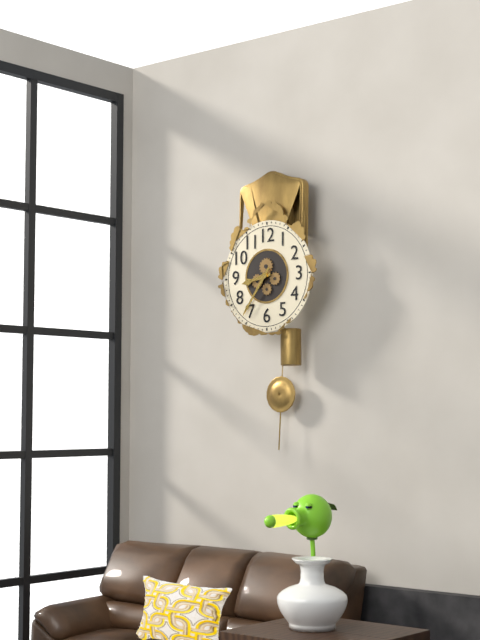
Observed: **8:36**
